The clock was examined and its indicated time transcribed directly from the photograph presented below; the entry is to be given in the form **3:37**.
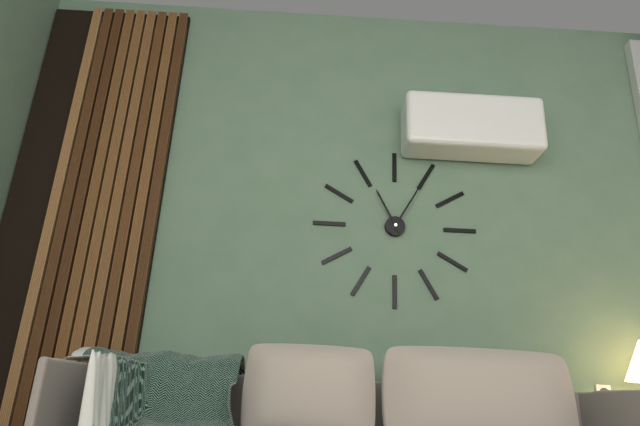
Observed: **11:05**
